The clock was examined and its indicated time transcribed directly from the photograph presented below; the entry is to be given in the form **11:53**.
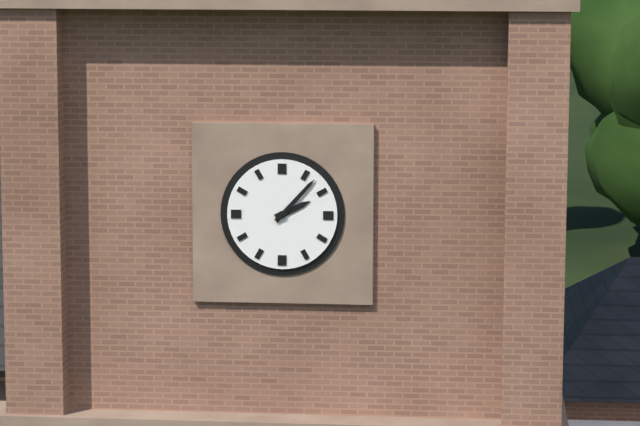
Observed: **2:07**
